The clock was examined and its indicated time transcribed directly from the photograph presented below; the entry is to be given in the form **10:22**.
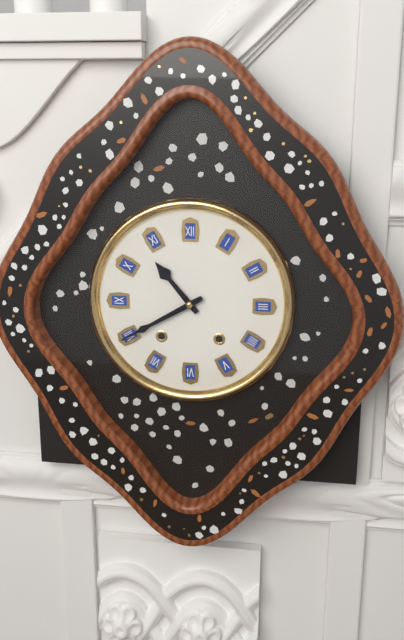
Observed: **10:40**
